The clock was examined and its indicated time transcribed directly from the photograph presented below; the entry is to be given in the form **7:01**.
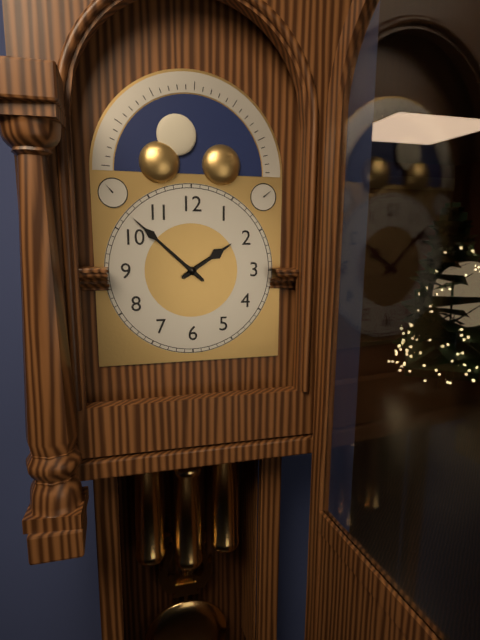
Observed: **1:52**
